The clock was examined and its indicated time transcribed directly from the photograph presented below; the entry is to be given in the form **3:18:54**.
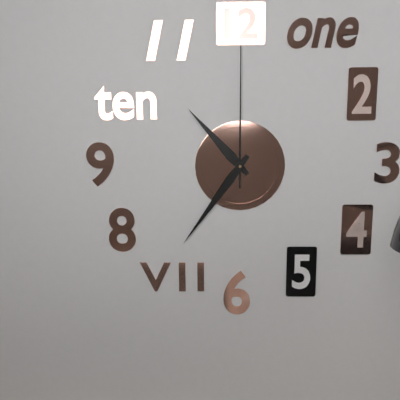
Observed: **10:36:00**
